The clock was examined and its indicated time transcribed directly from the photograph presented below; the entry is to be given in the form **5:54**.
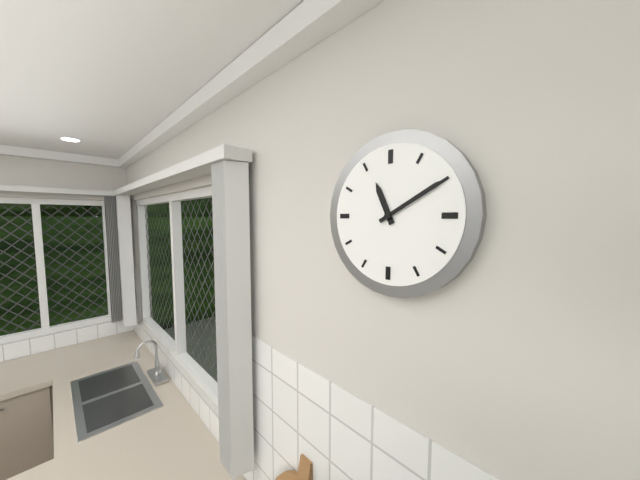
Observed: **11:10**
